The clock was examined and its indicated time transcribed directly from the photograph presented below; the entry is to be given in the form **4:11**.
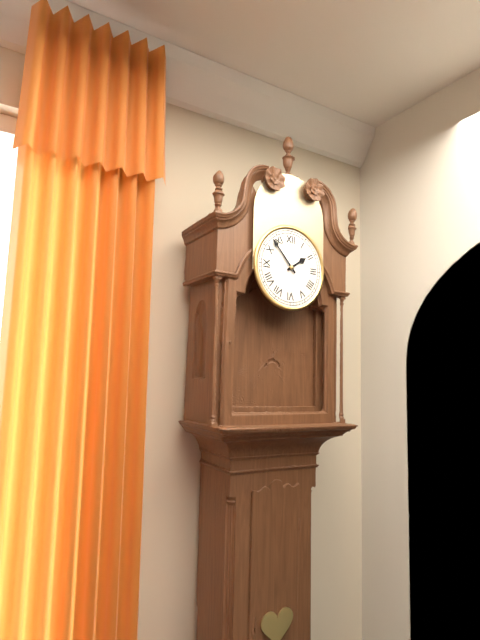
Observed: **1:53**
